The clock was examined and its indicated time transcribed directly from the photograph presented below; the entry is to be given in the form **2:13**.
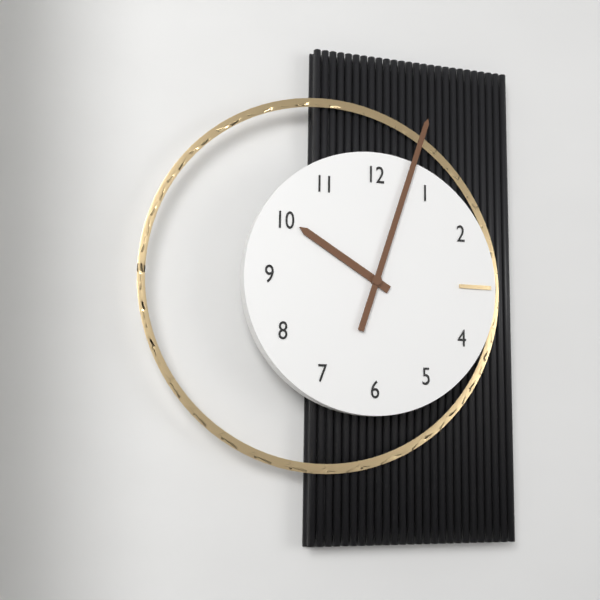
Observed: **10:03**
